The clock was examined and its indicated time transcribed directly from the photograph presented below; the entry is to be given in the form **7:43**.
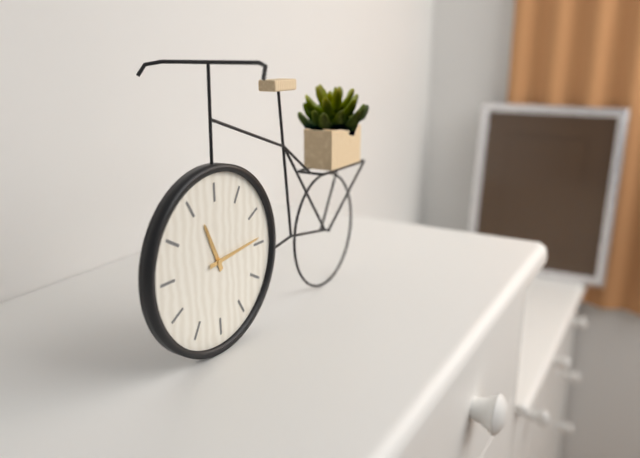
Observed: **11:14**
